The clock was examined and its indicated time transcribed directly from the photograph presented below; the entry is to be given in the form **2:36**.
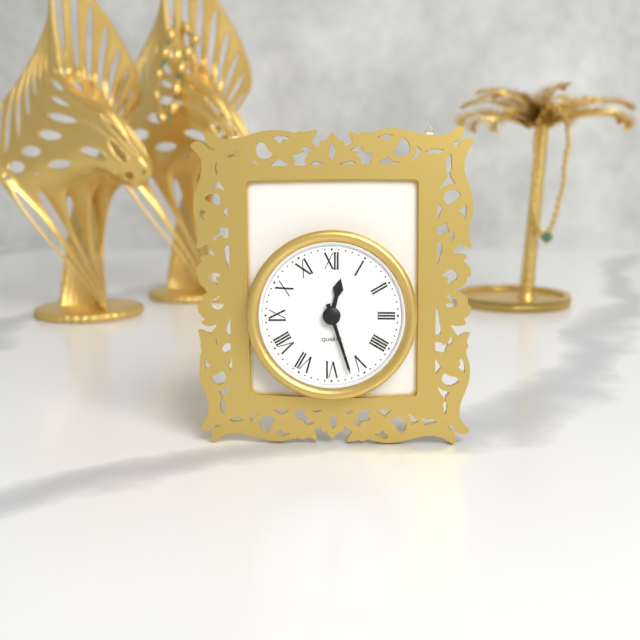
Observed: **12:27**
